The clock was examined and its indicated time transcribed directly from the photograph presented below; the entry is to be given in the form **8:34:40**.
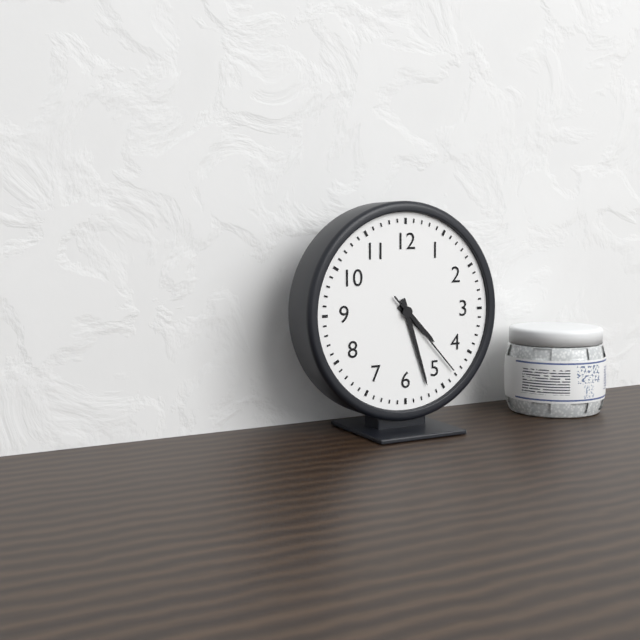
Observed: **4:27:23**
